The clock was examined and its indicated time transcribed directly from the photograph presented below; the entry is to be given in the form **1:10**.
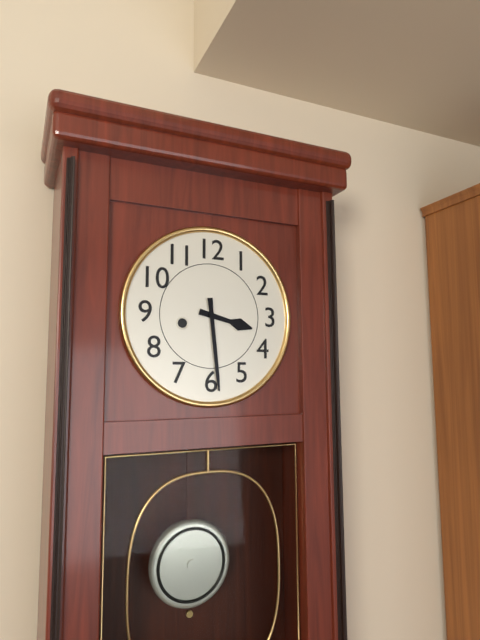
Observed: **3:29**
